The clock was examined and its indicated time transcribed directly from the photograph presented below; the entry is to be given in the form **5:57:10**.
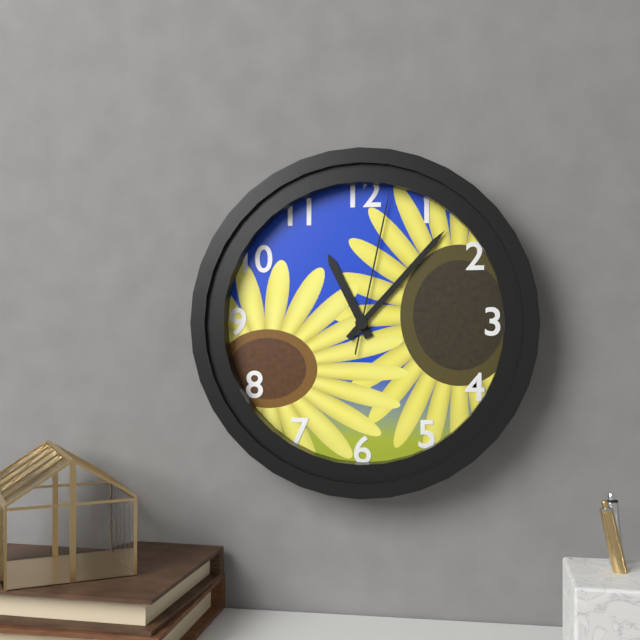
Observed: **11:07:02**
